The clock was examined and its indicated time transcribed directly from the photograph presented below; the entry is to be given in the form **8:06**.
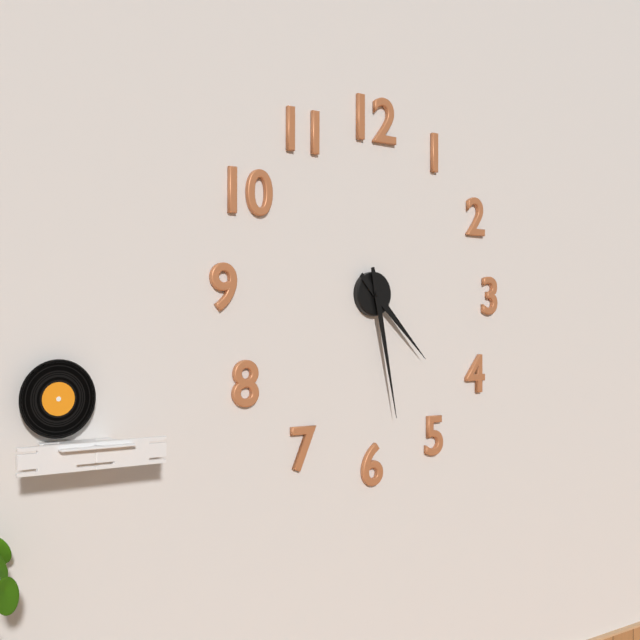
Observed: **4:28**
